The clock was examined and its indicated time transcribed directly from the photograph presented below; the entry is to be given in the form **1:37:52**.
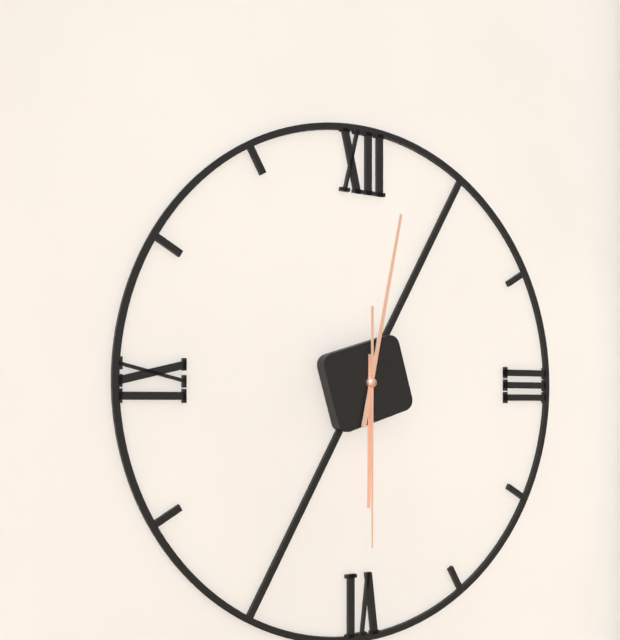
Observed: **6:02:30**
